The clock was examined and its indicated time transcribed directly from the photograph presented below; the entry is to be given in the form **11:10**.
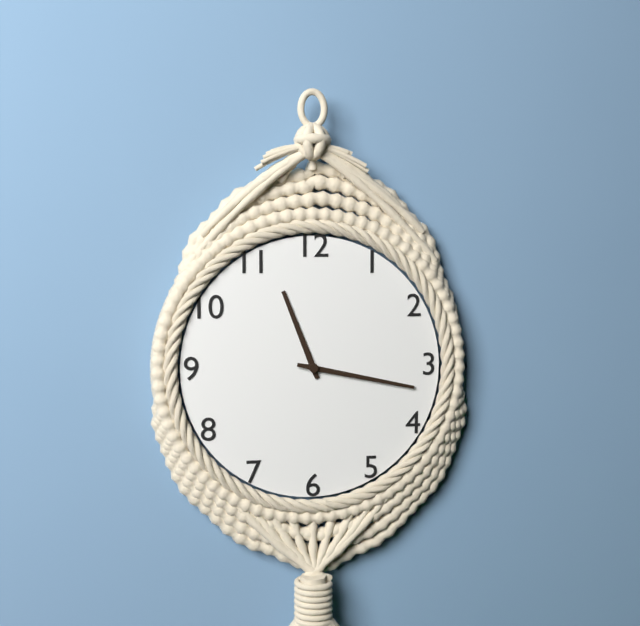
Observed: **11:17**
